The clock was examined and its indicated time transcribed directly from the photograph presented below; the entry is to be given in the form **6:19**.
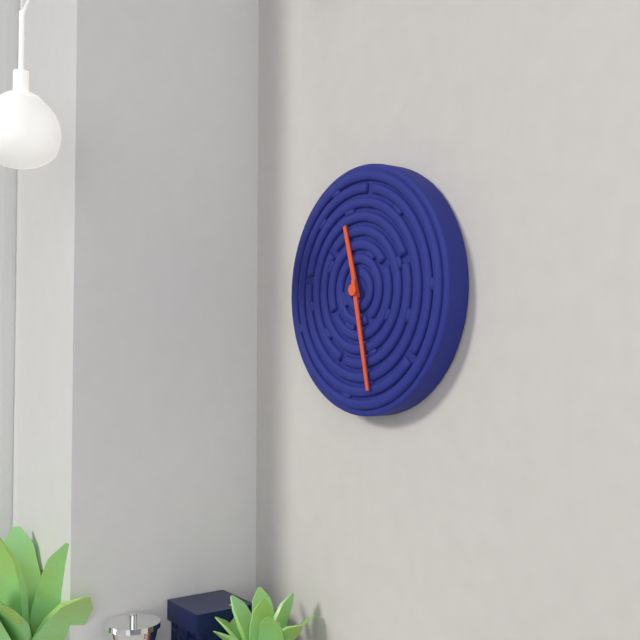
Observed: **11:28**
